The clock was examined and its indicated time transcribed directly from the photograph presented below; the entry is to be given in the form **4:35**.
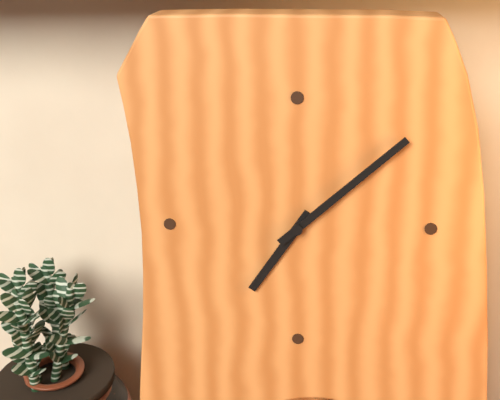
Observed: **7:08**
